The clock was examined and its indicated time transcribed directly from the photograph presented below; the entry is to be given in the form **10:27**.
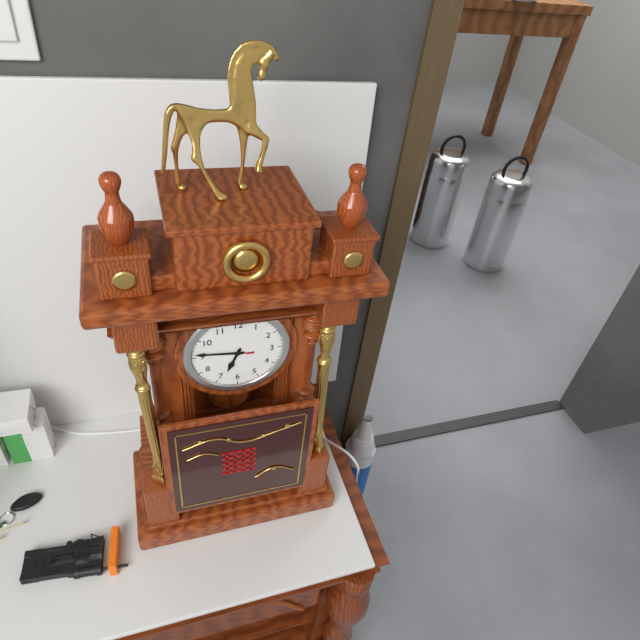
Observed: **6:46**
